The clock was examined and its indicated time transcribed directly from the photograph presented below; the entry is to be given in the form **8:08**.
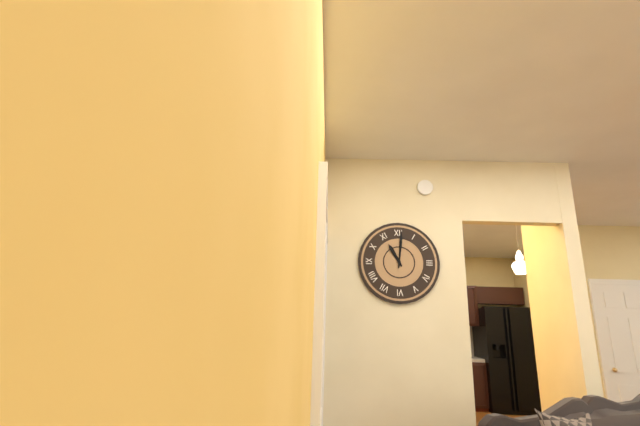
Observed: **11:01**
